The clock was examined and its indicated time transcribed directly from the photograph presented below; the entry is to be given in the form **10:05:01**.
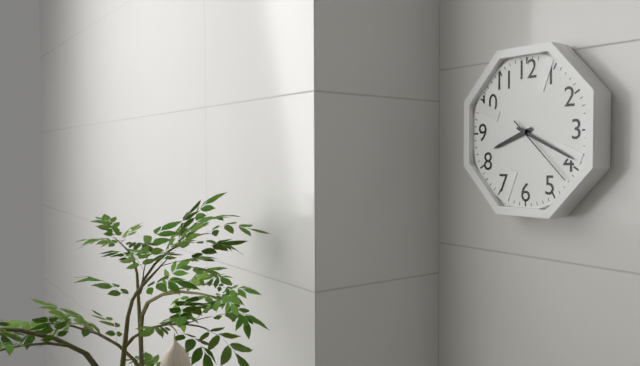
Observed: **8:19:22**
